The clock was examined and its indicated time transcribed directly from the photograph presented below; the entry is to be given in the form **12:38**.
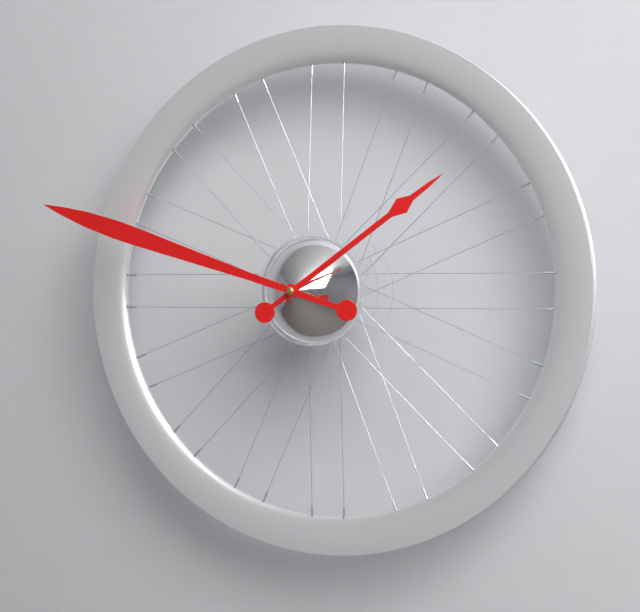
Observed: **1:48**
